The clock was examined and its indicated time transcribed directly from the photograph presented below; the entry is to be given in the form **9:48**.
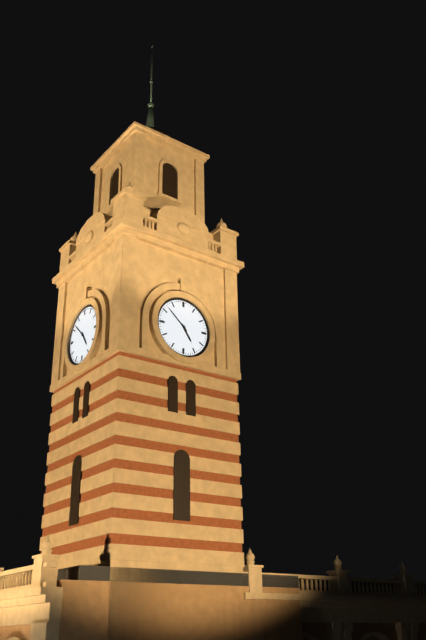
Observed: **4:52**
